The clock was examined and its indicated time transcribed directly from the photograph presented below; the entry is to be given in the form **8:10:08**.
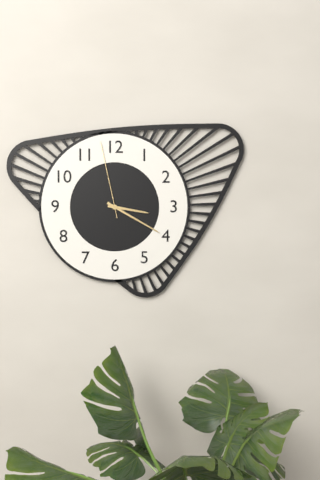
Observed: **3:20:58**
